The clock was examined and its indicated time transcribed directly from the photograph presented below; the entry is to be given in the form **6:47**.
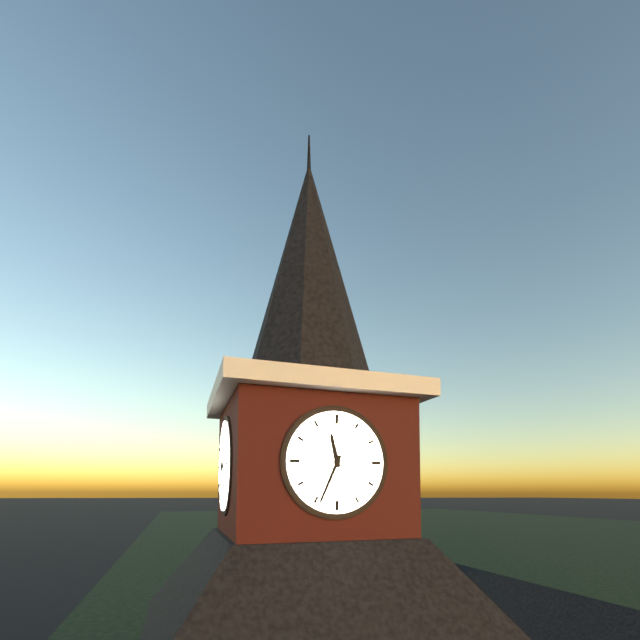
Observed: **11:34**
